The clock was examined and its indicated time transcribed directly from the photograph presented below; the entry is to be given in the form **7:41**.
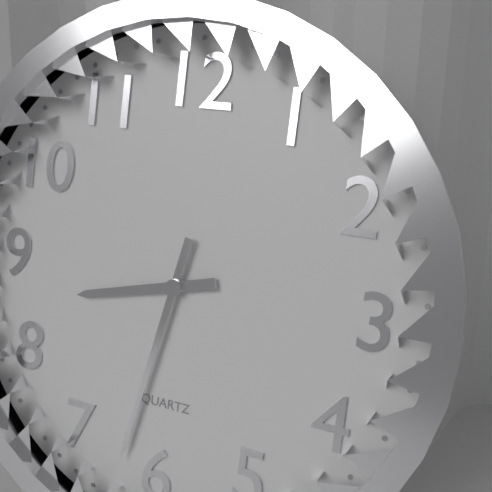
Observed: **8:32**
